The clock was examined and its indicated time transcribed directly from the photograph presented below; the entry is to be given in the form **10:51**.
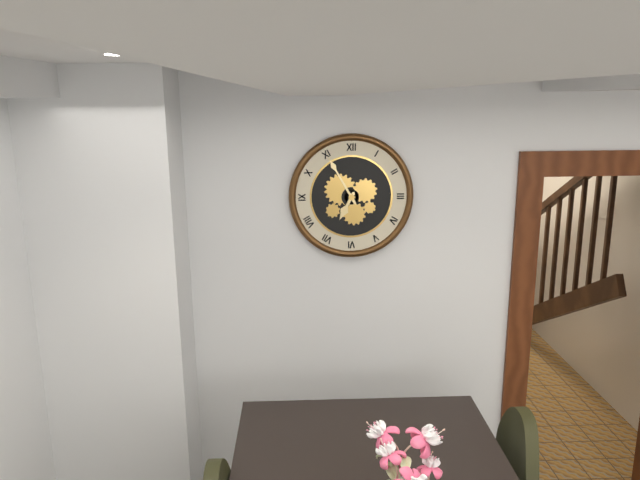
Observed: **6:55**
